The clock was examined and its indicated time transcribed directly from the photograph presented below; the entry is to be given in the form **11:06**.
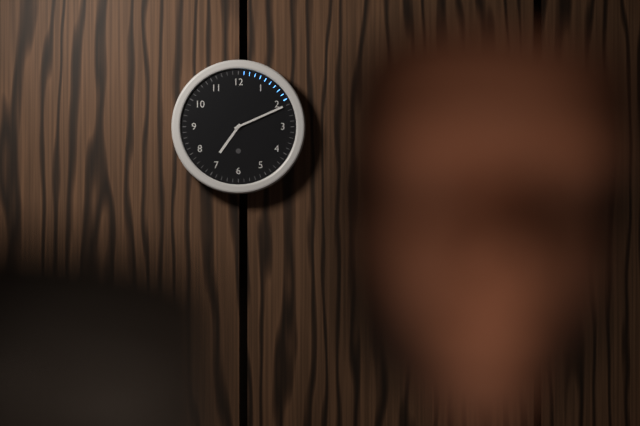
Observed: **7:11**
